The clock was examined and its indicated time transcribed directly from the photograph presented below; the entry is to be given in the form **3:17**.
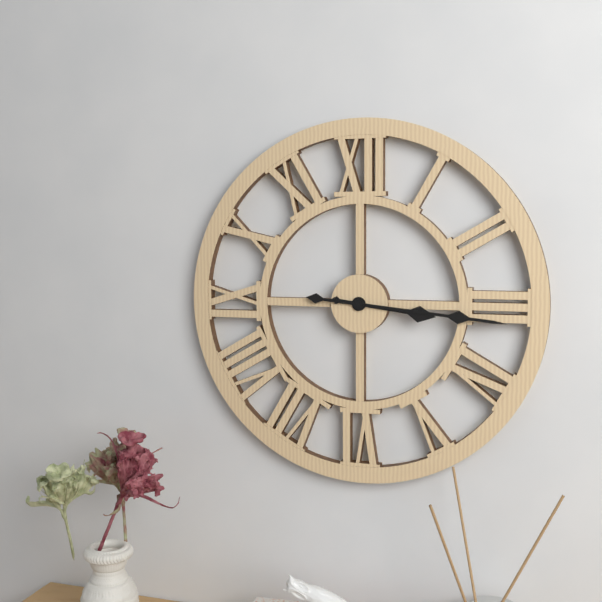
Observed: **3:16**
